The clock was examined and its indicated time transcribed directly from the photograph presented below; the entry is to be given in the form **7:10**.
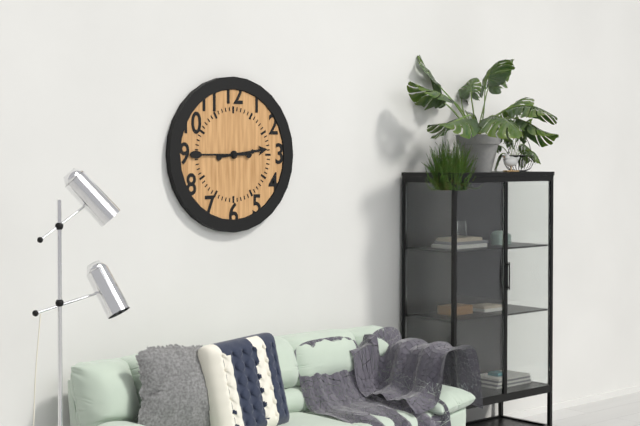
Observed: **2:45**
